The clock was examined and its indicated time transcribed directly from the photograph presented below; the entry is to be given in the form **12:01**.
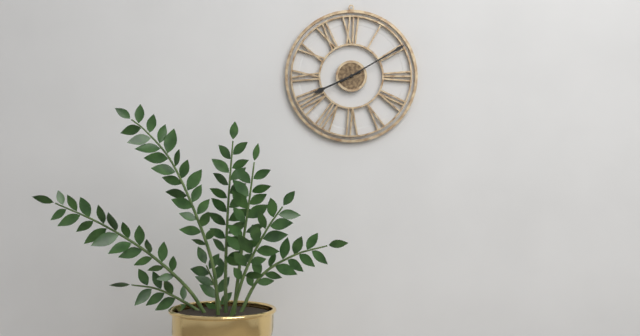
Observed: **8:10**
